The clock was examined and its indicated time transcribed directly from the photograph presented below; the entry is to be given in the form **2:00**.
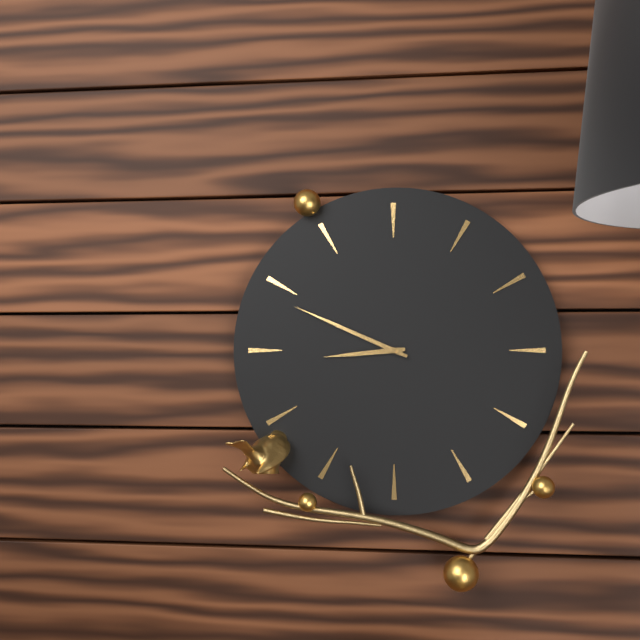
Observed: **8:49**
